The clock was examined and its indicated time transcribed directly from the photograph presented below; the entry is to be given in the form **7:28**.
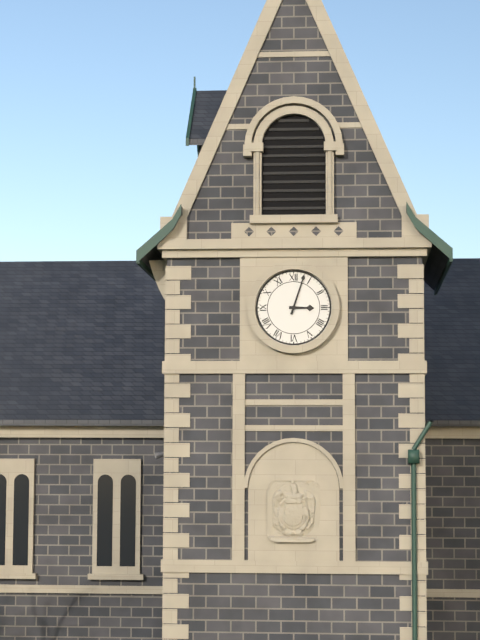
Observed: **3:03**
